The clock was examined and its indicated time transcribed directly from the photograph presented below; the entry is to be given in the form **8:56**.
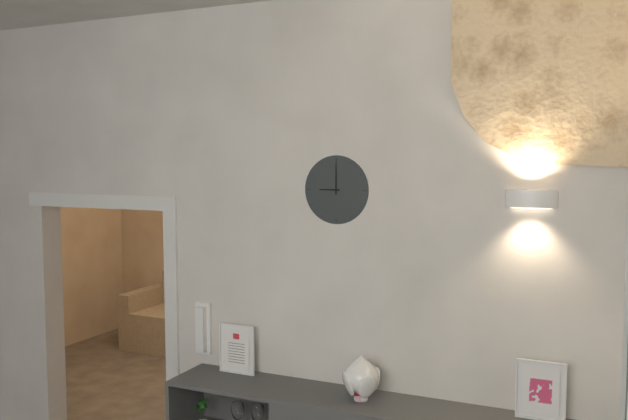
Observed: **9:00**
